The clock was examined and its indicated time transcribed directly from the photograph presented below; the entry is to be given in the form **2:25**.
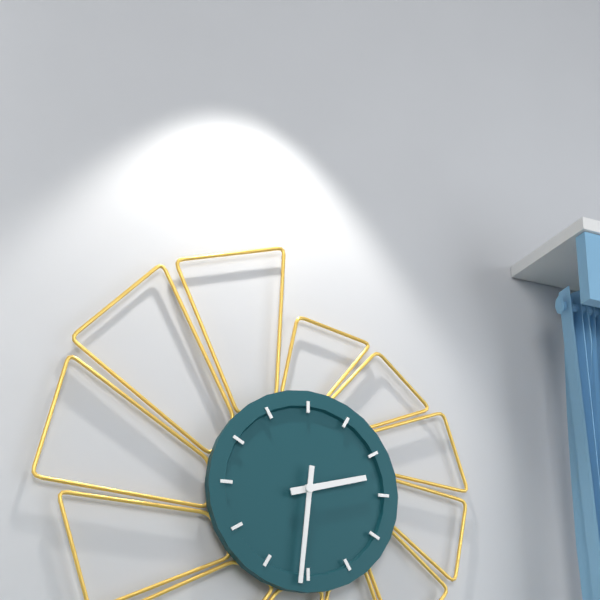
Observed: **2:31**
